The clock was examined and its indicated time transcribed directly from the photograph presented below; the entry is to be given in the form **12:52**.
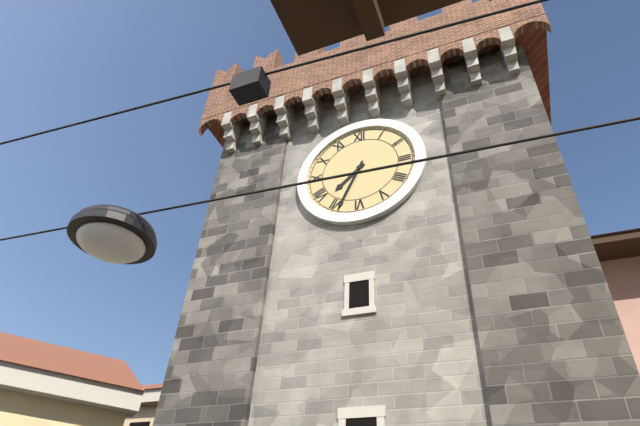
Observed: **7:34**
